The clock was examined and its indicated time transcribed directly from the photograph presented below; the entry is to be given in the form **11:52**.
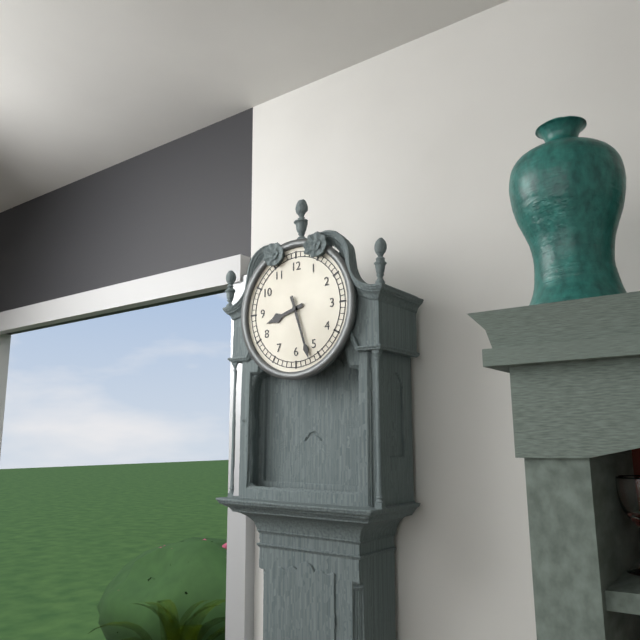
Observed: **8:27**
